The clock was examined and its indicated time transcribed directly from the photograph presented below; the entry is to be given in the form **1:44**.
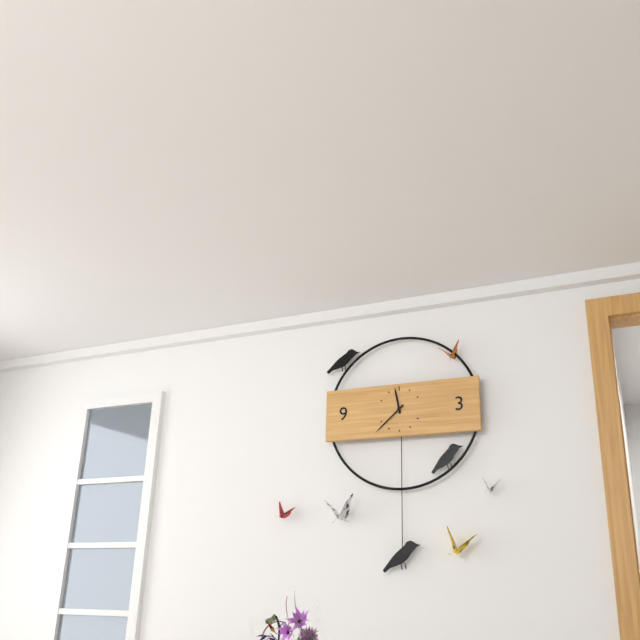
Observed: **11:38**
